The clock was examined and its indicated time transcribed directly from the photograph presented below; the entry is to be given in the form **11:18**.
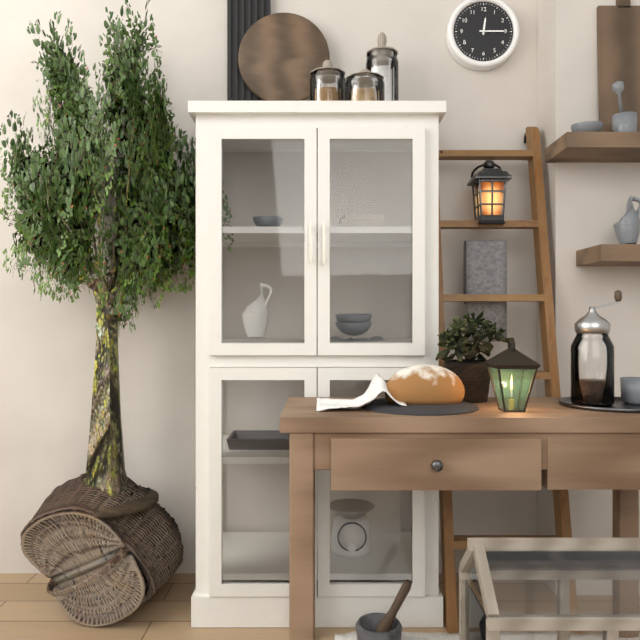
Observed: **12:15**
